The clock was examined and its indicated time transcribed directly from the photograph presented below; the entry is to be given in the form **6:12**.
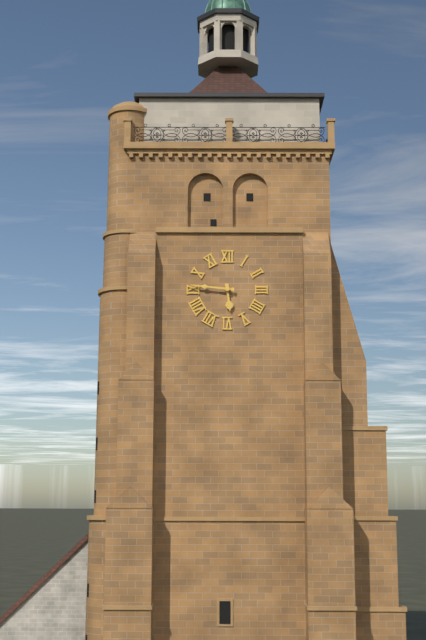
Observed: **5:46**
